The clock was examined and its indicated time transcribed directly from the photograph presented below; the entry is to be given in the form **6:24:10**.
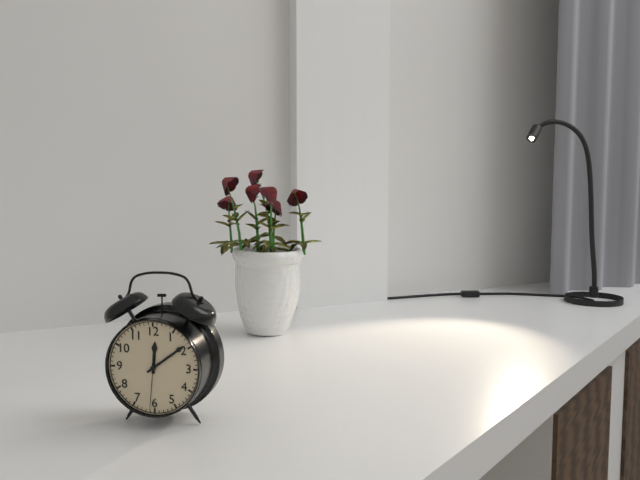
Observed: **12:09:31**
